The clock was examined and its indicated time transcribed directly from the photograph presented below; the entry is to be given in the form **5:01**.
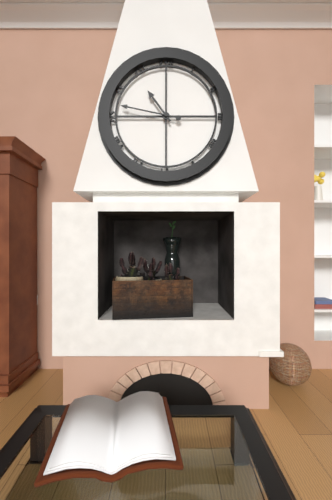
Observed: **10:47**
